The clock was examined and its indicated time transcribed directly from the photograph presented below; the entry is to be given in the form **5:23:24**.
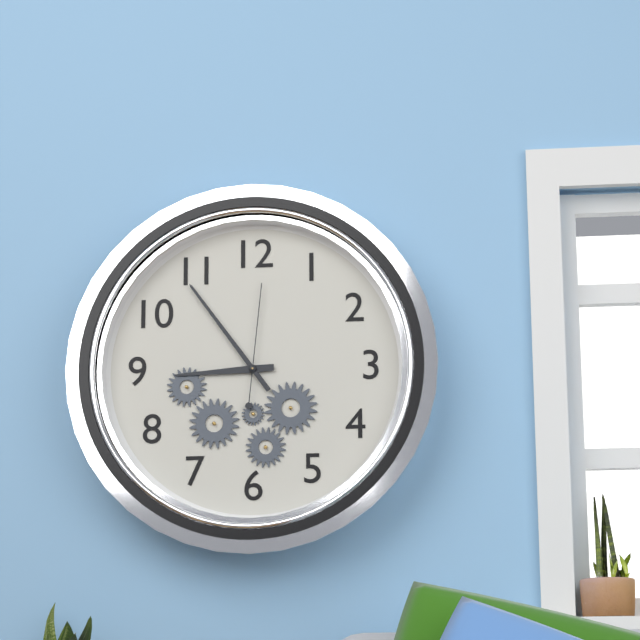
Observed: **8:54:01**
